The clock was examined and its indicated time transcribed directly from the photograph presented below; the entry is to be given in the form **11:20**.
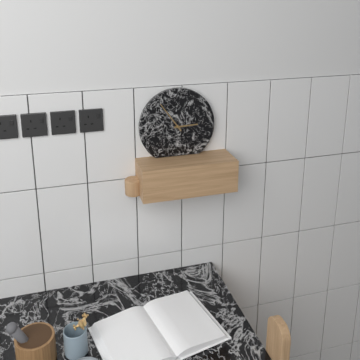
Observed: **2:54**
